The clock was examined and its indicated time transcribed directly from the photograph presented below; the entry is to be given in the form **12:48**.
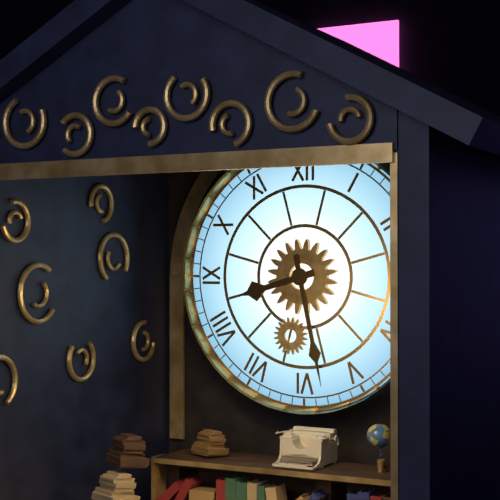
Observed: **8:28**
